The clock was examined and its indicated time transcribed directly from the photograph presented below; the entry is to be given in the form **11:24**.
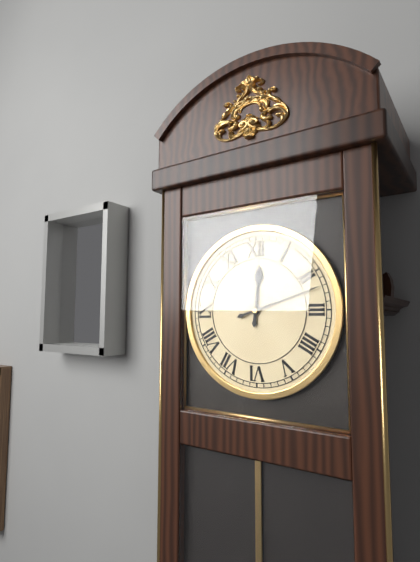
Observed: **12:12**
